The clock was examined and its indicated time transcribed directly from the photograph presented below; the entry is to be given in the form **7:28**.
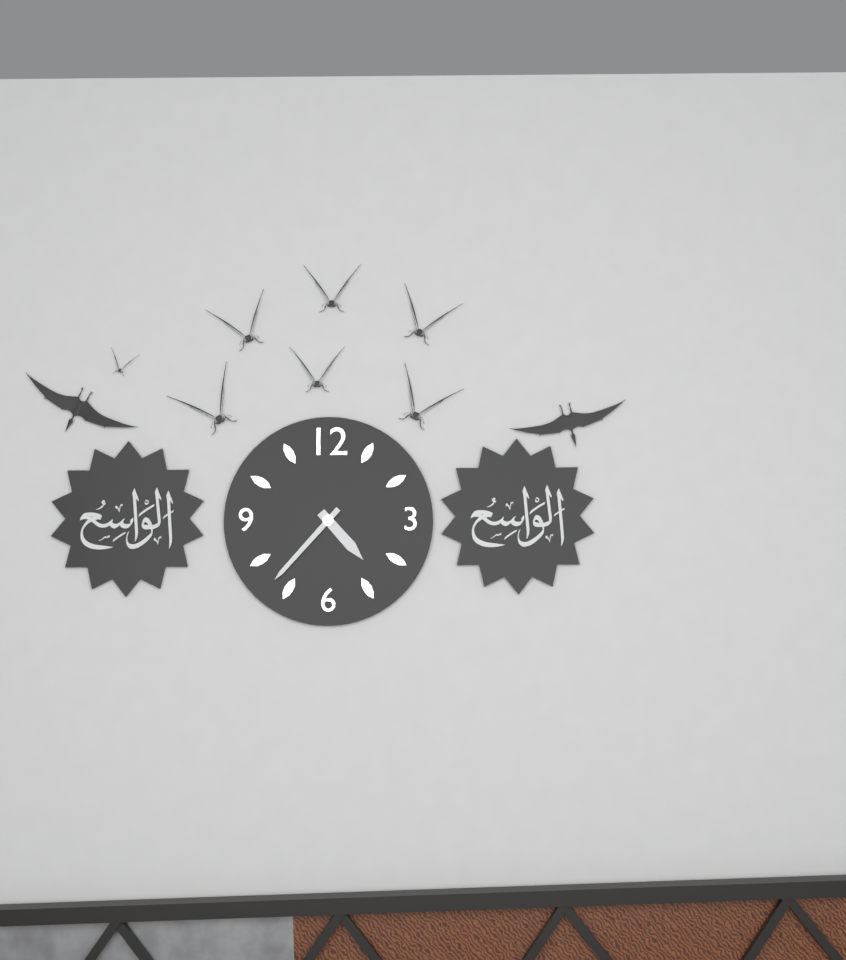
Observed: **4:37**
